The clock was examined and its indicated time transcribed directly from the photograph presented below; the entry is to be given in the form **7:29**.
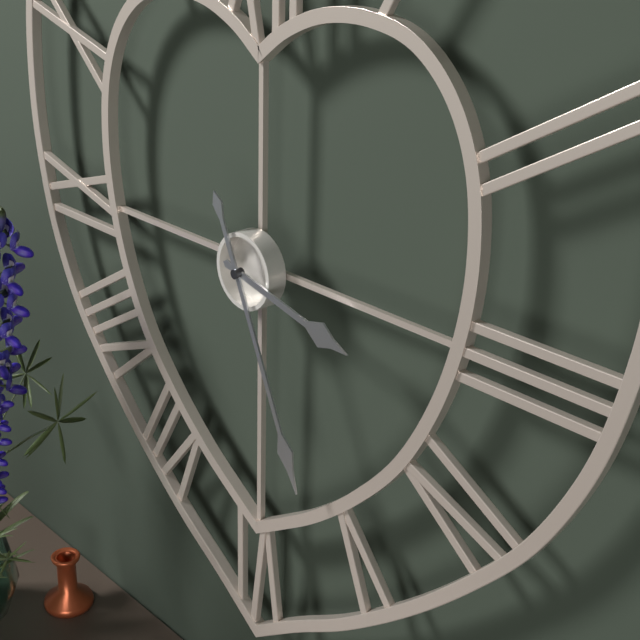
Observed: **3:26**
